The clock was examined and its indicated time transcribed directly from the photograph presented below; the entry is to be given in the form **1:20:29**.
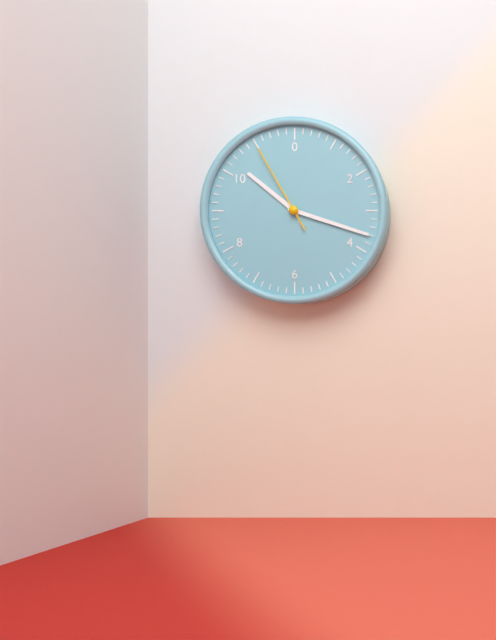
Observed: **10:18:55**
